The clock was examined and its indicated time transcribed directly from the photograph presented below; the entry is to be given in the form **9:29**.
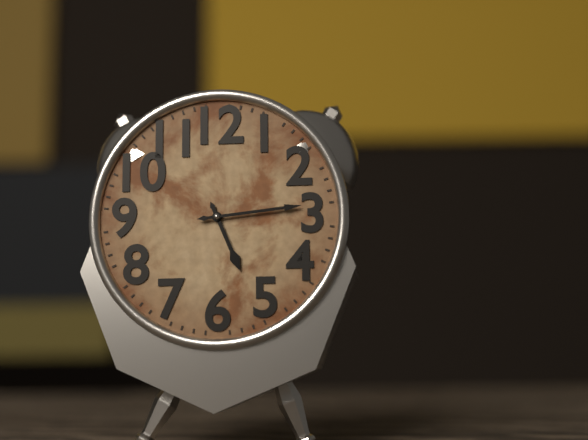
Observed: **5:14**
